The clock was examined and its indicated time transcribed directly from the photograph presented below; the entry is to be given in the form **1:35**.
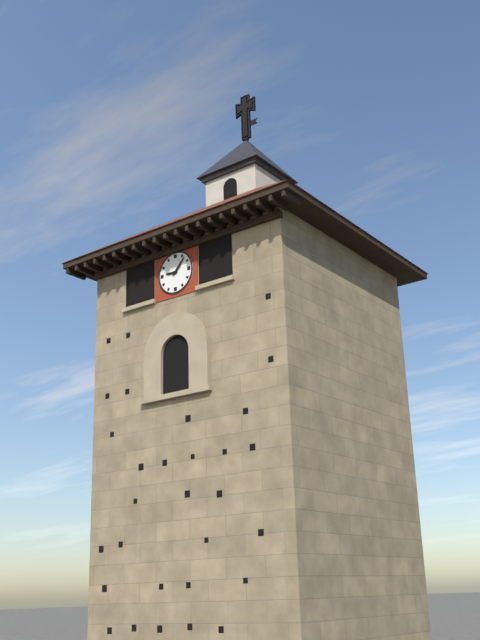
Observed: **9:07**
